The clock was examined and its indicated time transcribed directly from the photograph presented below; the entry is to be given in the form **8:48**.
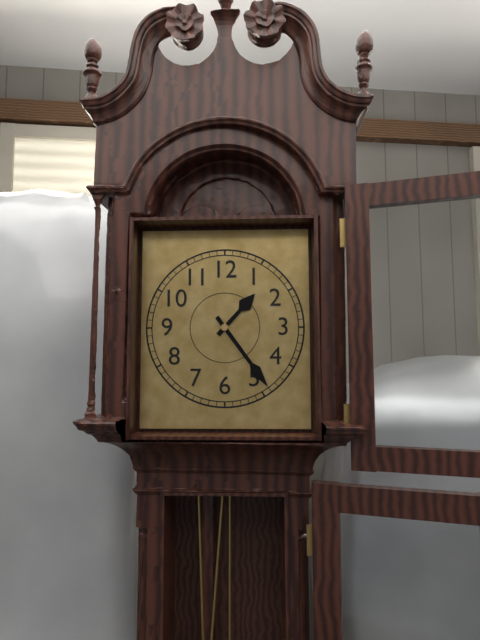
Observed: **1:24**
